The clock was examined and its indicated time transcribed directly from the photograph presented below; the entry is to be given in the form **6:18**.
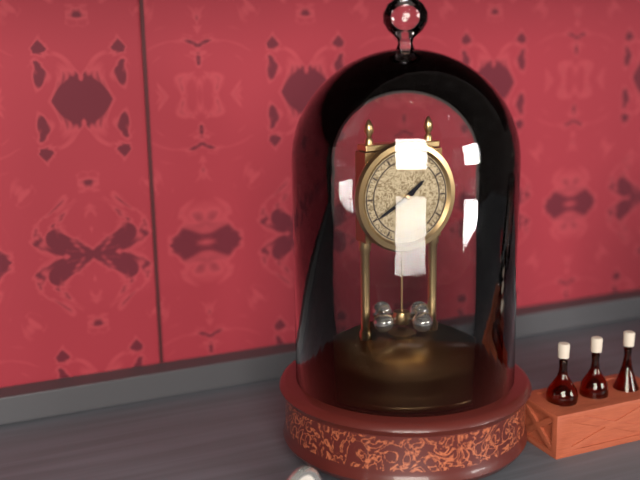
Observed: **1:40**
